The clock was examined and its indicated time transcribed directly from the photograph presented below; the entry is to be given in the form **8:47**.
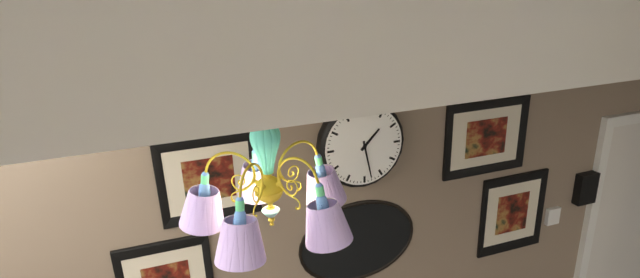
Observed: **1:28**
